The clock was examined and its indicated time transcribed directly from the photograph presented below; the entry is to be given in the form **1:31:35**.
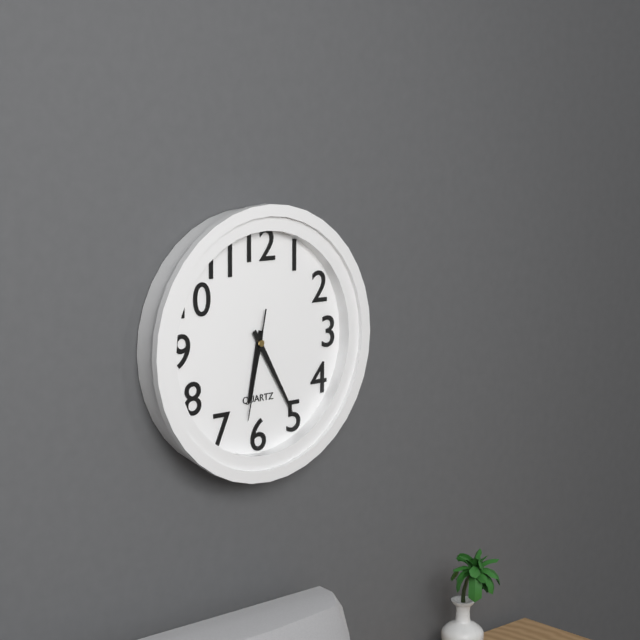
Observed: **6:25:32**
